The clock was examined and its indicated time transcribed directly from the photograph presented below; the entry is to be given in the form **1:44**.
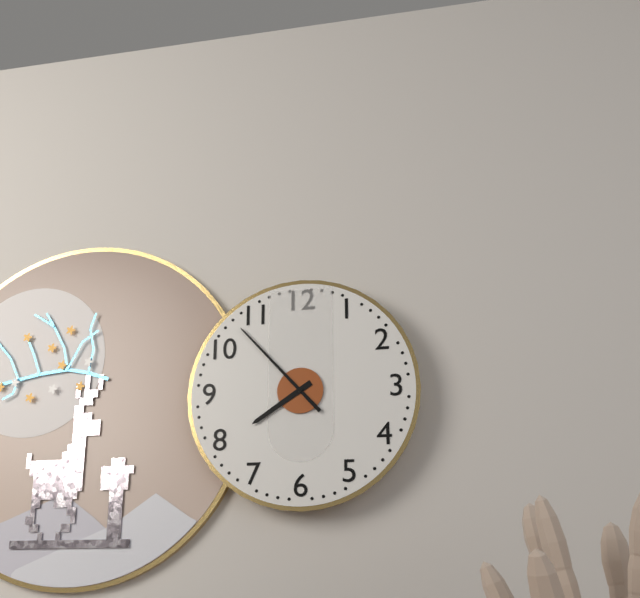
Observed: **7:53**
